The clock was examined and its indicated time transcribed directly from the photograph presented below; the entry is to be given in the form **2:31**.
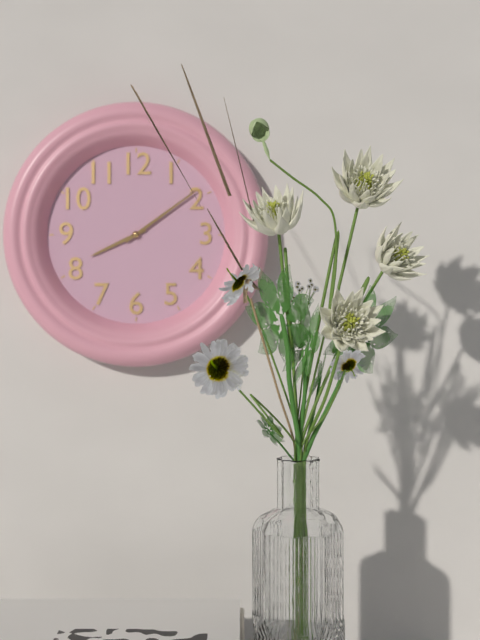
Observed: **8:09**
